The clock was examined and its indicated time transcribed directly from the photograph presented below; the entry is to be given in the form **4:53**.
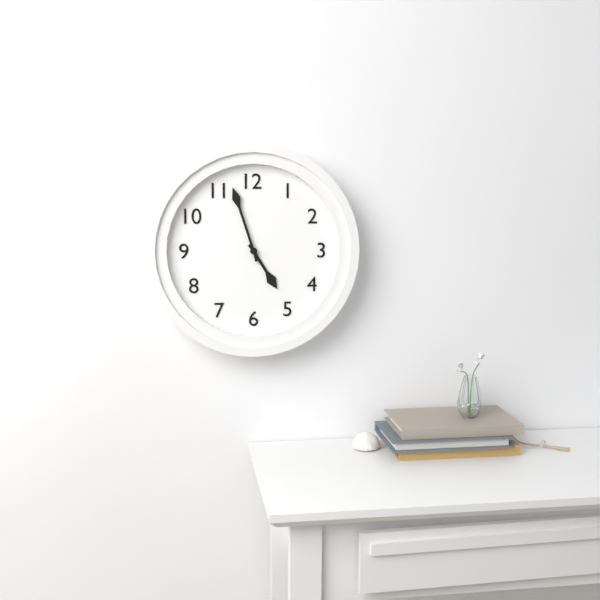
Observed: **4:57**
